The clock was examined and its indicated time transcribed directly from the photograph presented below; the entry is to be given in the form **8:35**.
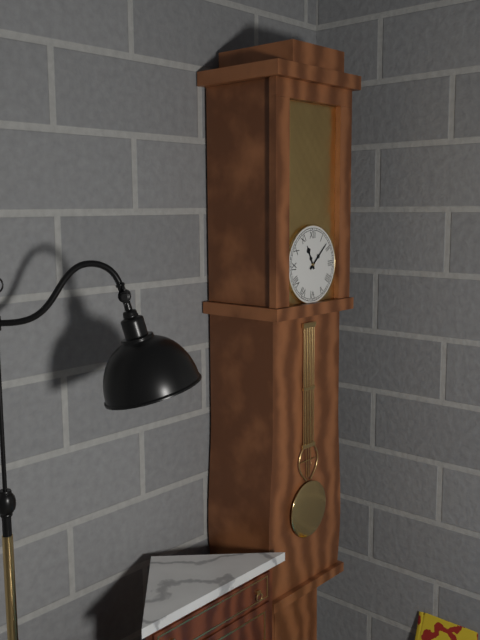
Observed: **11:08**
